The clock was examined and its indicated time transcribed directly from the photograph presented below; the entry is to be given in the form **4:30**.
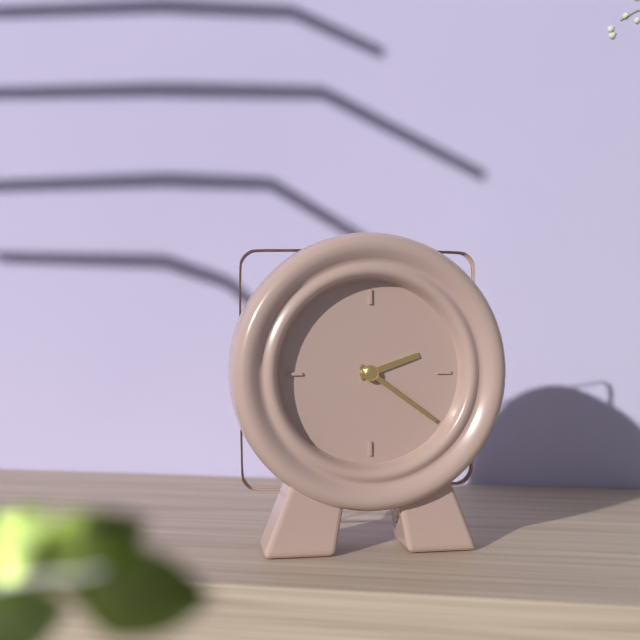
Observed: **2:21**
